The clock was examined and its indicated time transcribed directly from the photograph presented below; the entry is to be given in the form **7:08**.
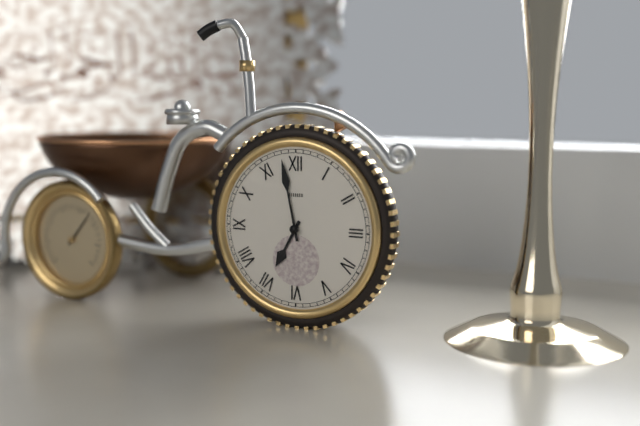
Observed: **6:58**
